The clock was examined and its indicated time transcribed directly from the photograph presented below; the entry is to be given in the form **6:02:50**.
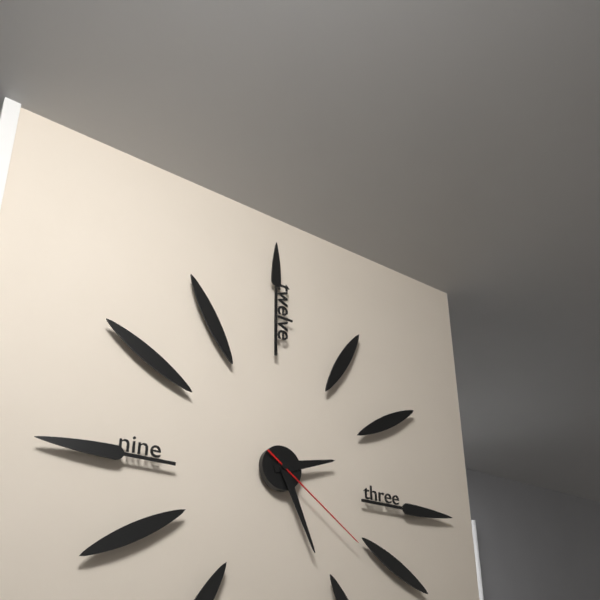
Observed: **2:26:21**
